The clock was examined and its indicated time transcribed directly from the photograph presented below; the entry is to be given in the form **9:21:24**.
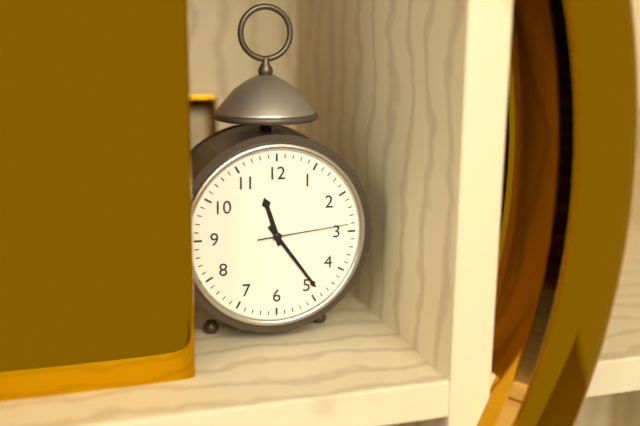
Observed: **11:24:14**
